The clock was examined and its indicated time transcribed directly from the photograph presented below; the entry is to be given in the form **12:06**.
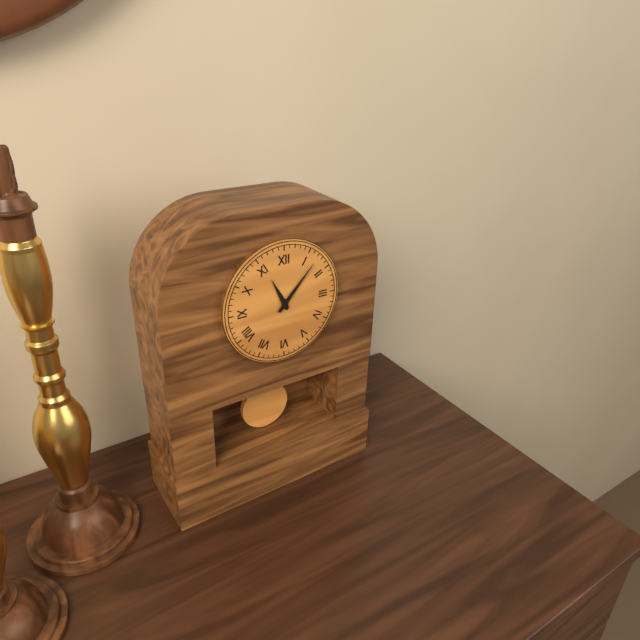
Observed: **11:07**
